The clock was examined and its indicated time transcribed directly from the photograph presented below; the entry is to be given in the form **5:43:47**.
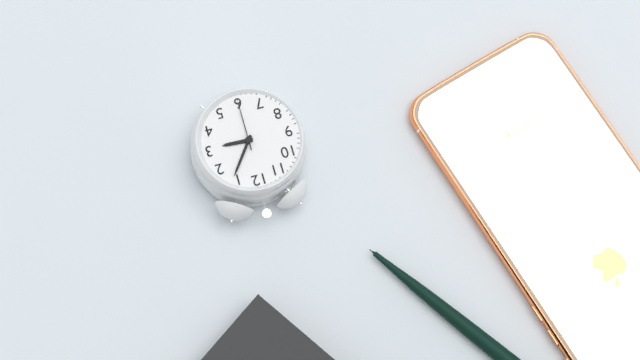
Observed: **3:06:30**
